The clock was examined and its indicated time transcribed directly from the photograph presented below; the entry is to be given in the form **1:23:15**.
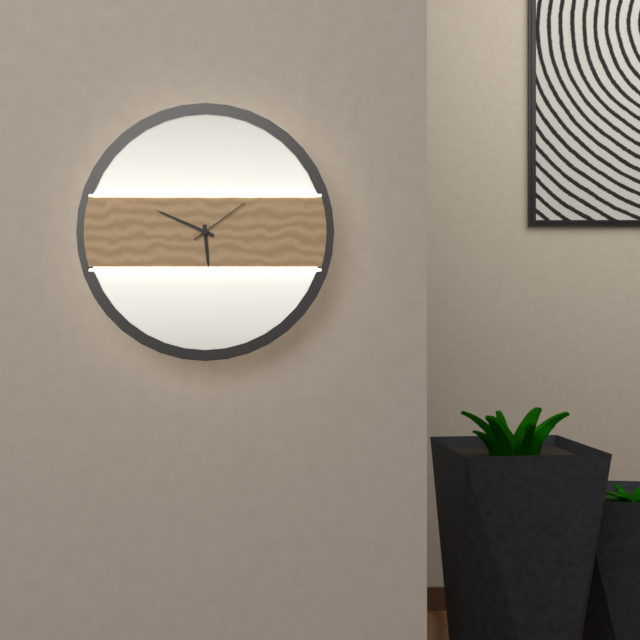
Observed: **5:49:09**
